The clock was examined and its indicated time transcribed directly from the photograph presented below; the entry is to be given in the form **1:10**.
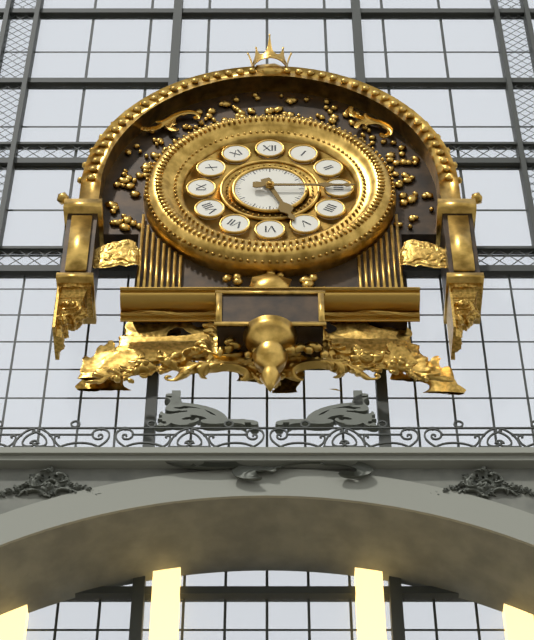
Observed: **5:15**
